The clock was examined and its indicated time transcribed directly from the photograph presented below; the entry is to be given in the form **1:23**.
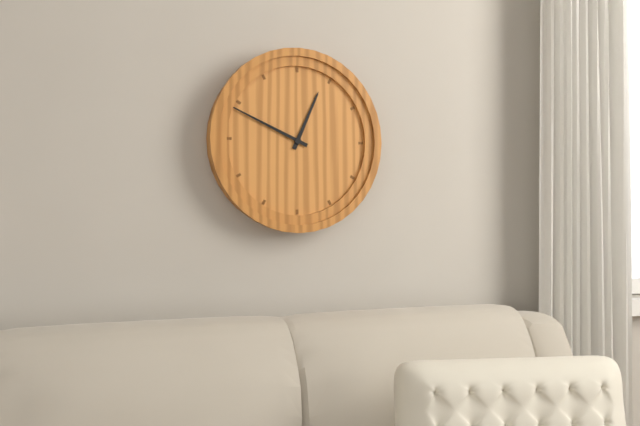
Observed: **12:49**
